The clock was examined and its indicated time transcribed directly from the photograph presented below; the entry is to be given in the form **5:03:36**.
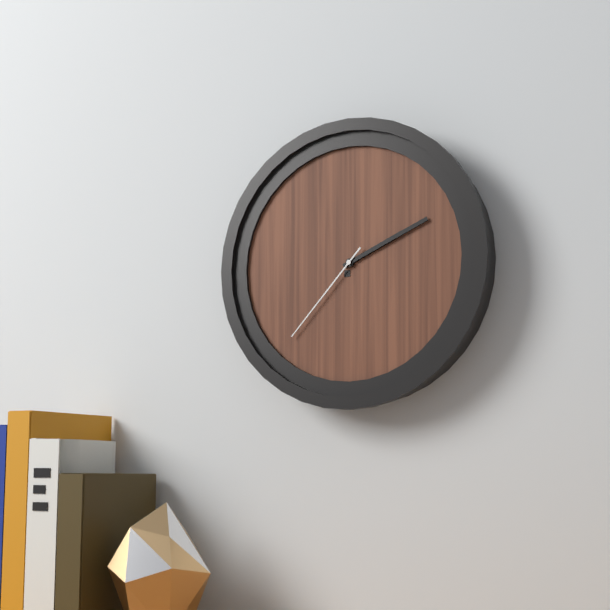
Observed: **2:11:37**
